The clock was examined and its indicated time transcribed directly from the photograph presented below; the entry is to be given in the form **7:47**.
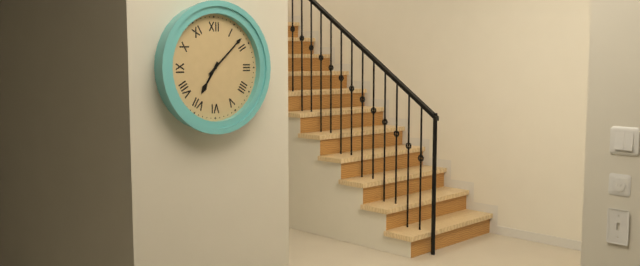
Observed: **7:08**
